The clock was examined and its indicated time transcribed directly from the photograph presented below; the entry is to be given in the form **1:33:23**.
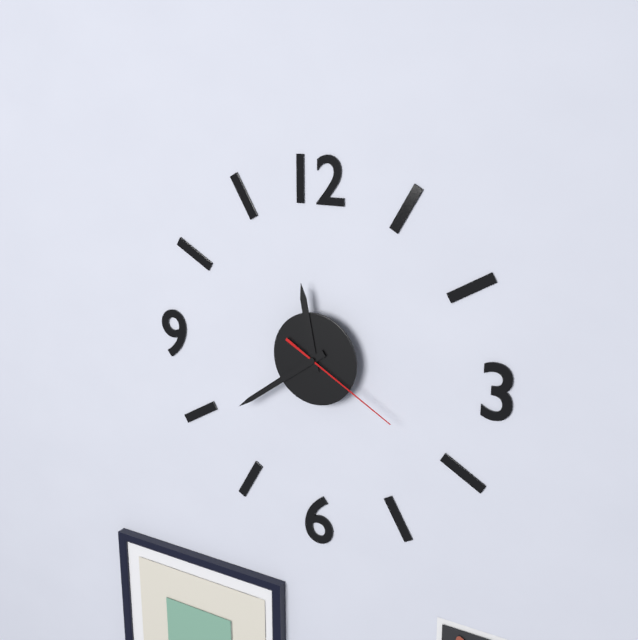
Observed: **11:39:20**
